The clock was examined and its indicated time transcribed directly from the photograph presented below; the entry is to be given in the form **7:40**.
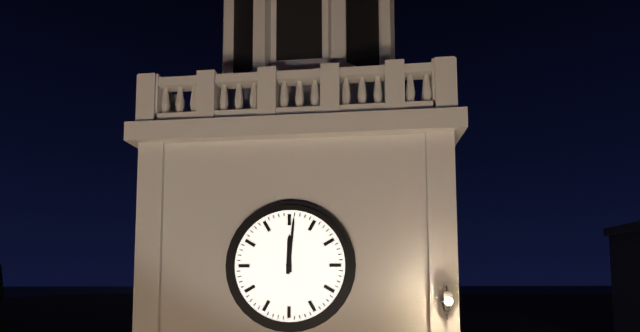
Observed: **12:01**
